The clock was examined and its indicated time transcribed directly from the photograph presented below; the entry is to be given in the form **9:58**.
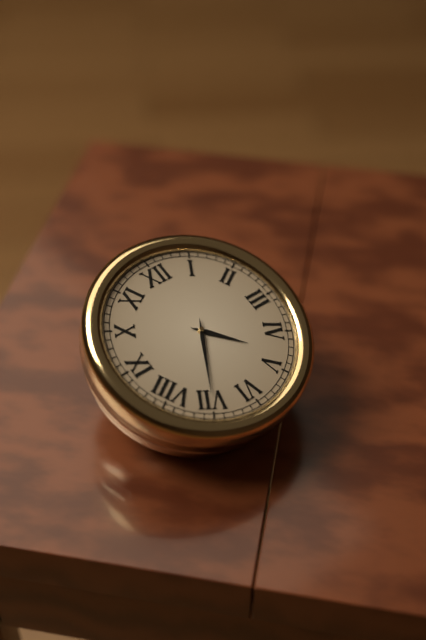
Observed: **4:35**
